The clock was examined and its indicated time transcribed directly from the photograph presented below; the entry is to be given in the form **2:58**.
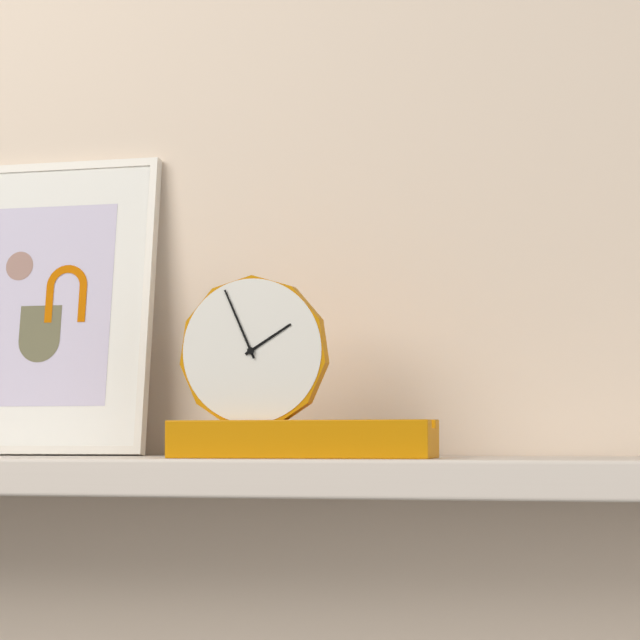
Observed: **1:56**
